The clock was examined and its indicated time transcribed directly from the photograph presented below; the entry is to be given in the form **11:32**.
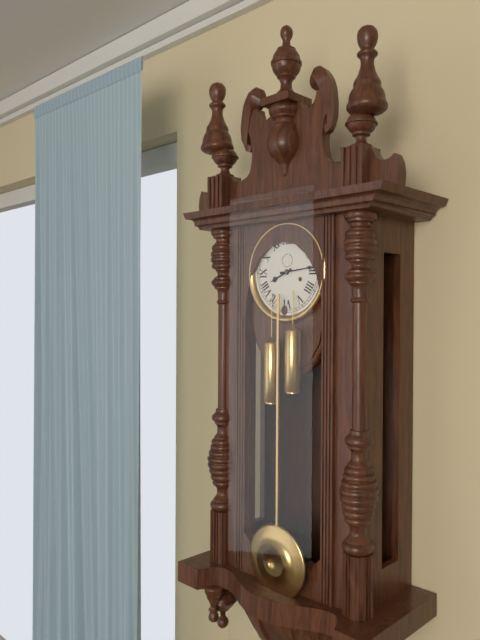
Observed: **8:14**
